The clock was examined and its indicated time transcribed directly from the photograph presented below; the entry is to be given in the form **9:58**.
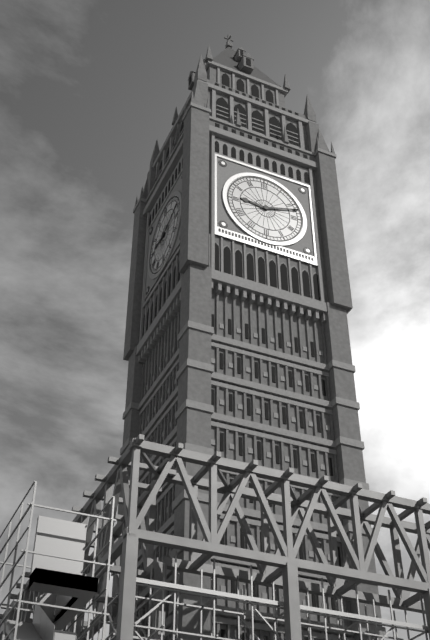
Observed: **9:12**
